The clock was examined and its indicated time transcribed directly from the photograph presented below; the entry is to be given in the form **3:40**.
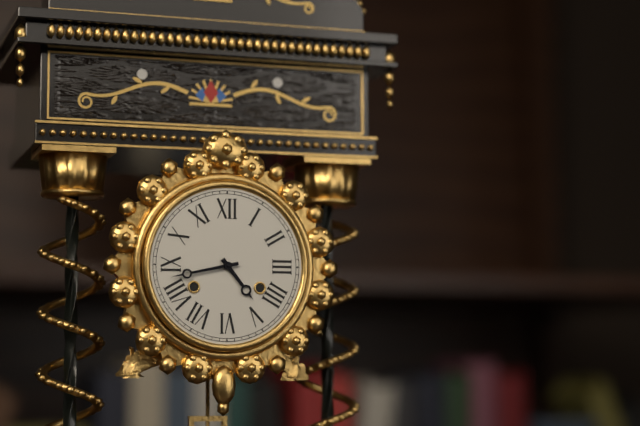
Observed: **4:43**
